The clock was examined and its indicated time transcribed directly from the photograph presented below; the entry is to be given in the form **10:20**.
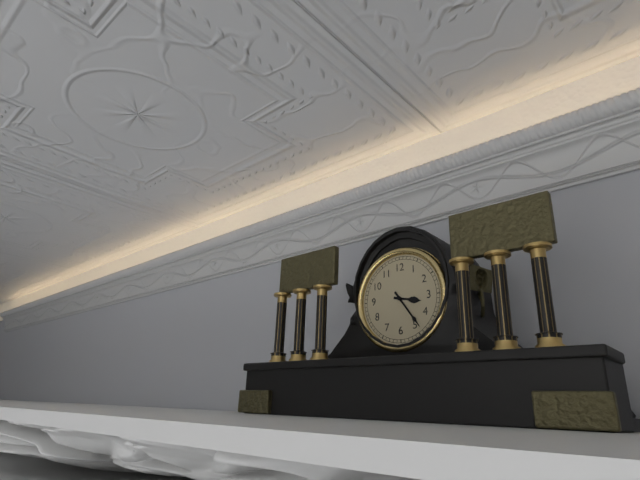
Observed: **3:24**
